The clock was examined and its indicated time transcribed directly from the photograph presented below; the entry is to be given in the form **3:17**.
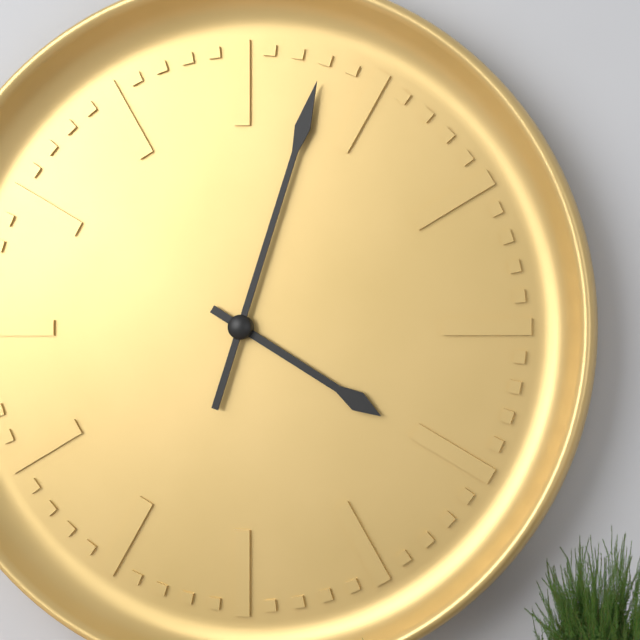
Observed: **4:03**
